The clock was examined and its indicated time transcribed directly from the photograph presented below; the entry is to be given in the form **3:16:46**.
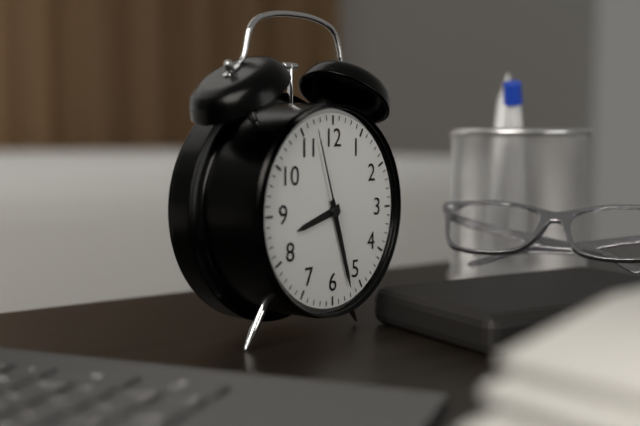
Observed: **8:27:57**
